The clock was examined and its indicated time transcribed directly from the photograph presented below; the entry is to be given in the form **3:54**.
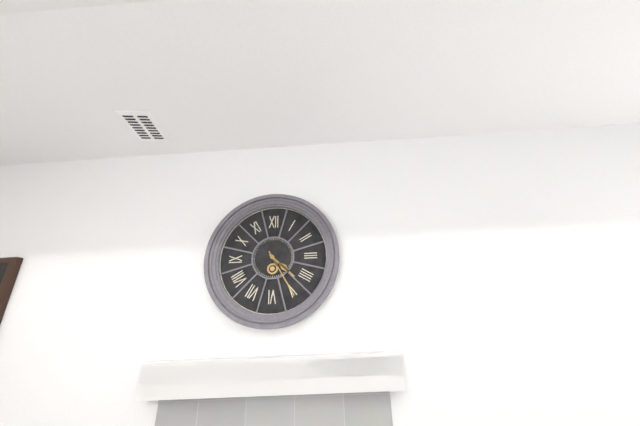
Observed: **4:25**
